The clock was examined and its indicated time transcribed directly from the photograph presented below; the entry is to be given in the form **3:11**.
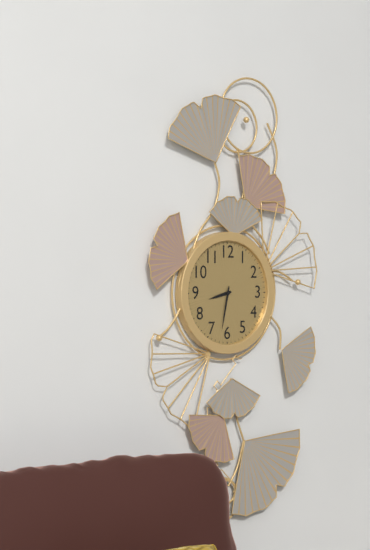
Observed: **8:32**
